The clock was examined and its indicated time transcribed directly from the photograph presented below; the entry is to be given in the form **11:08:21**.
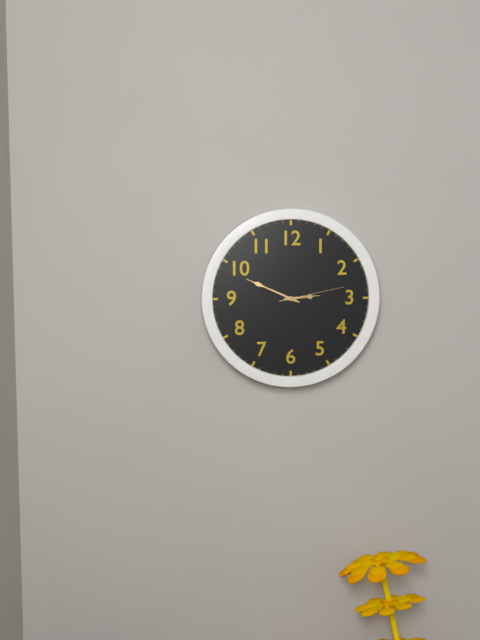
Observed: **2:49:13**
